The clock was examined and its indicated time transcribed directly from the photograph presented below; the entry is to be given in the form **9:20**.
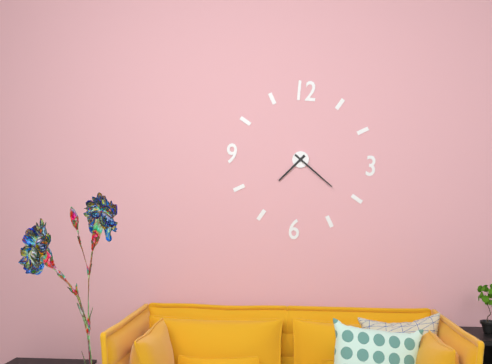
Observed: **7:21**
